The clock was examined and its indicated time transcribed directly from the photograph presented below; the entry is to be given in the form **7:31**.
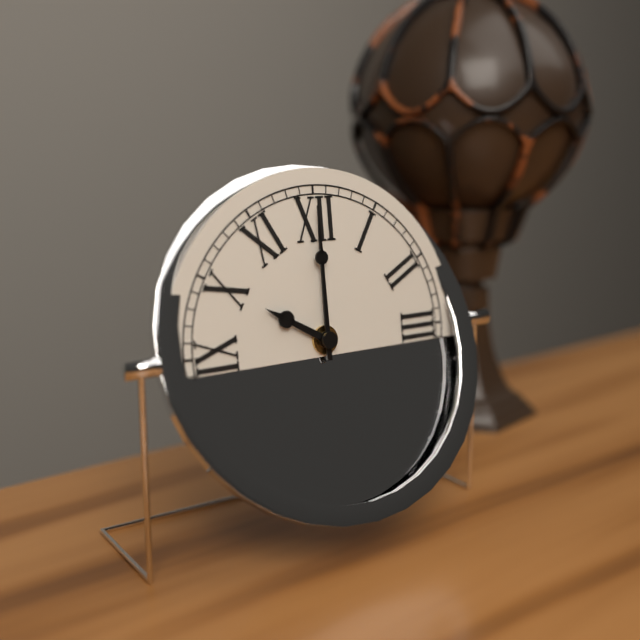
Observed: **10:00**
